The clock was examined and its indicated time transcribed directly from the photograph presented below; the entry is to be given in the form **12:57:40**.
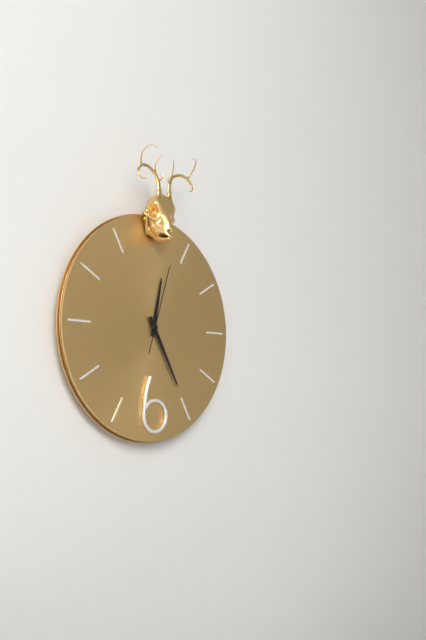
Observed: **12:25:03**
